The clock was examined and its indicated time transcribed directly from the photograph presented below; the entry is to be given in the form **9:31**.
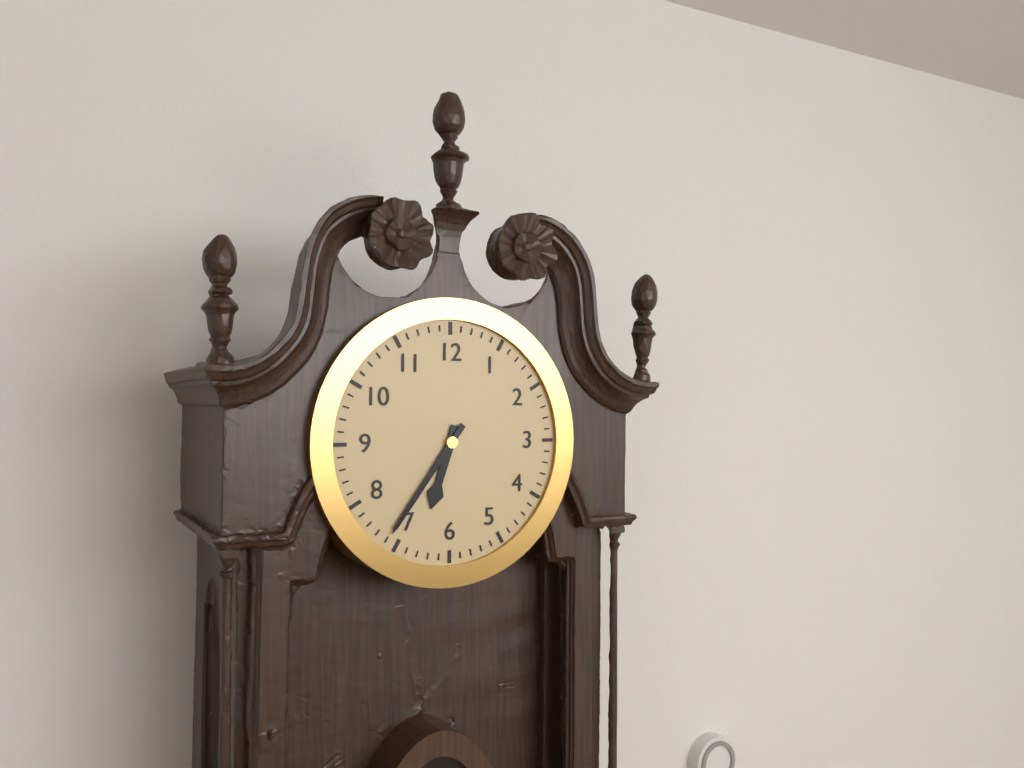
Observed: **6:36**
